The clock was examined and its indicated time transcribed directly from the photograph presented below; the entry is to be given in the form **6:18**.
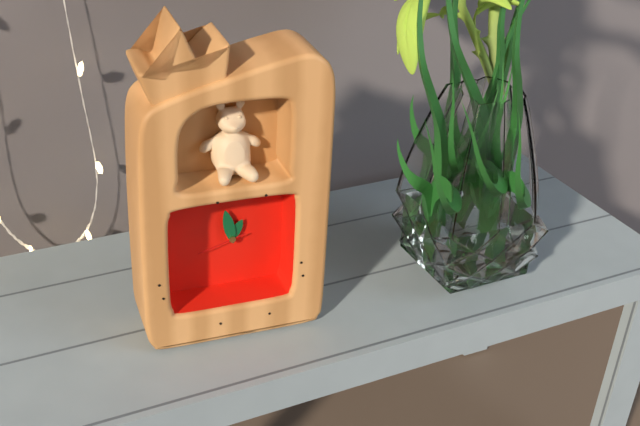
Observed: **12:58**
